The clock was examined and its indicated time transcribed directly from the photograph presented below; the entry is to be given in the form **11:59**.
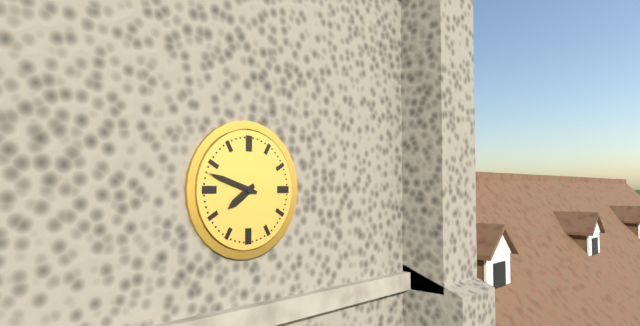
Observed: **7:48**
